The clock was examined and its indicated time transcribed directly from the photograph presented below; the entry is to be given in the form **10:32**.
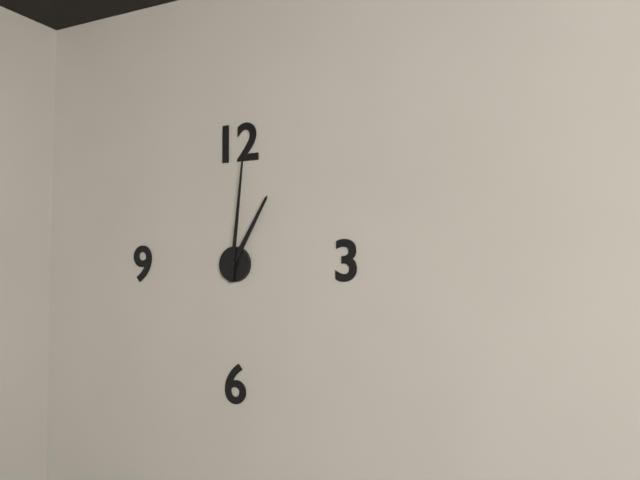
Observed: **1:01**
